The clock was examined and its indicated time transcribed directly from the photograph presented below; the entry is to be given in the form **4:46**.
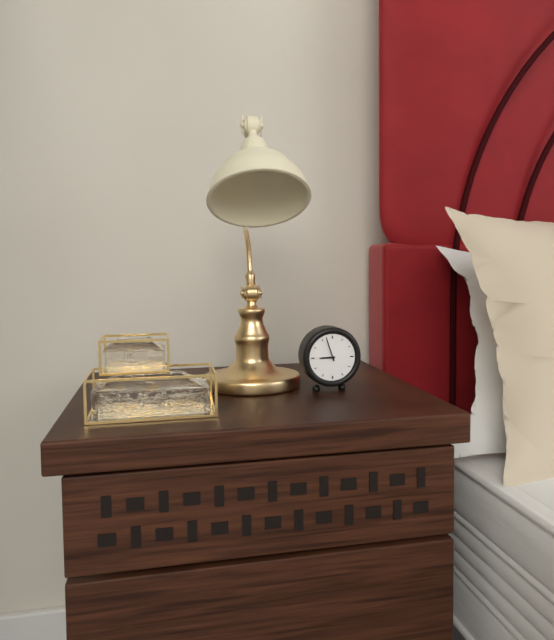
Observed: **8:57**
